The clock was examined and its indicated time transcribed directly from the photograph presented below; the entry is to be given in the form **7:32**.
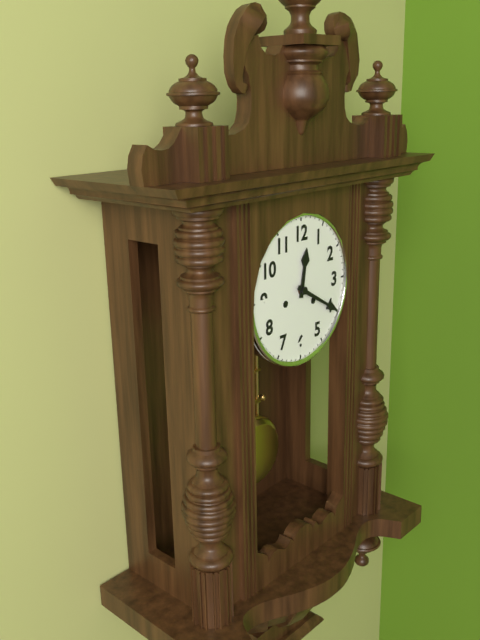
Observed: **12:20**
